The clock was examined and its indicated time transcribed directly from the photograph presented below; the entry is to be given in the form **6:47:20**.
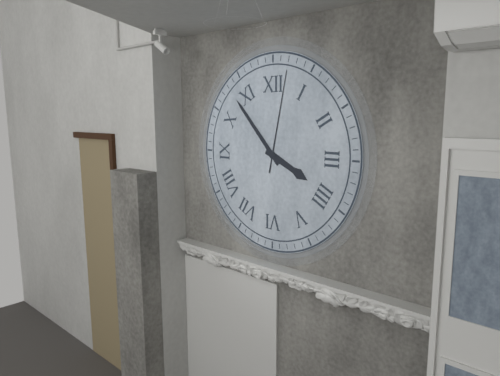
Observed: **3:53:02**
